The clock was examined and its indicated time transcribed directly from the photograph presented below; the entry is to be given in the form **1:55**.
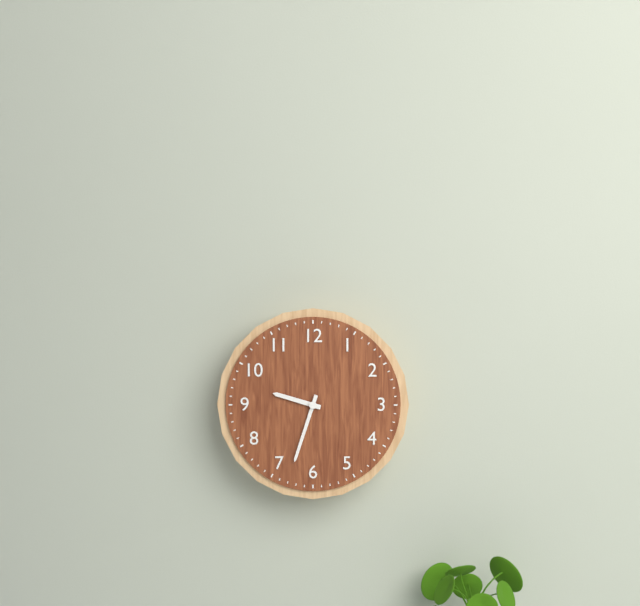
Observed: **9:33**
